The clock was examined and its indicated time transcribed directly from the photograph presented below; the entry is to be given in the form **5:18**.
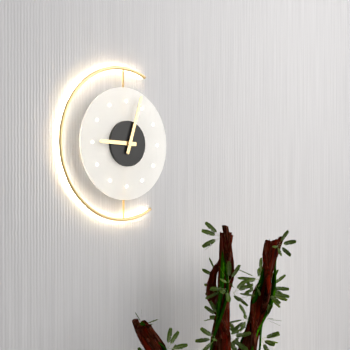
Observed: **9:03**
